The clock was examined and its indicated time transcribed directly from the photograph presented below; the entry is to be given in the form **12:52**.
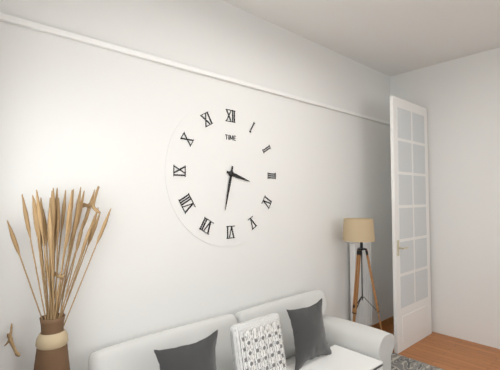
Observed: **3:32**
